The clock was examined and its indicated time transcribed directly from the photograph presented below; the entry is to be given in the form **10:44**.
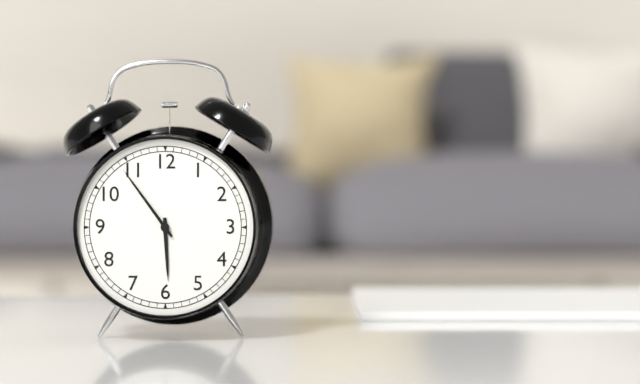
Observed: **5:54**
